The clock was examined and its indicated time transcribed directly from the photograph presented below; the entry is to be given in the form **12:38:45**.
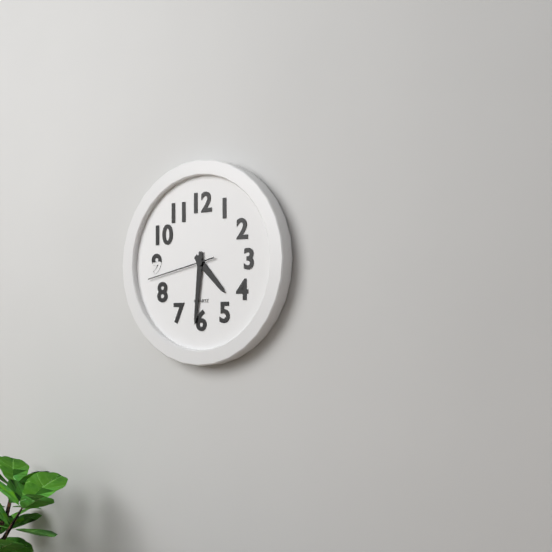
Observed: **4:31:43**
